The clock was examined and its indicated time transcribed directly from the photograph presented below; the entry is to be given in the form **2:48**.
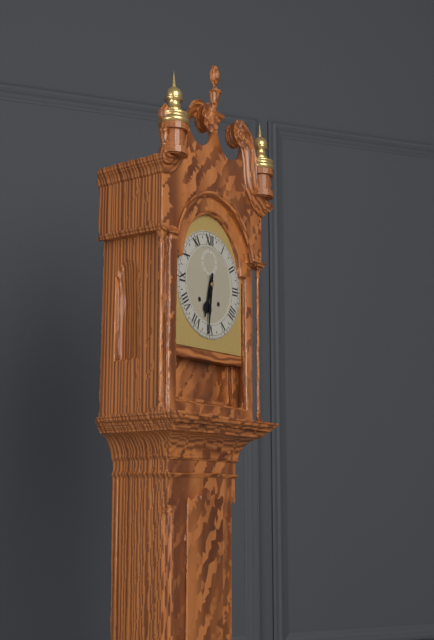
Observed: **6:31**
